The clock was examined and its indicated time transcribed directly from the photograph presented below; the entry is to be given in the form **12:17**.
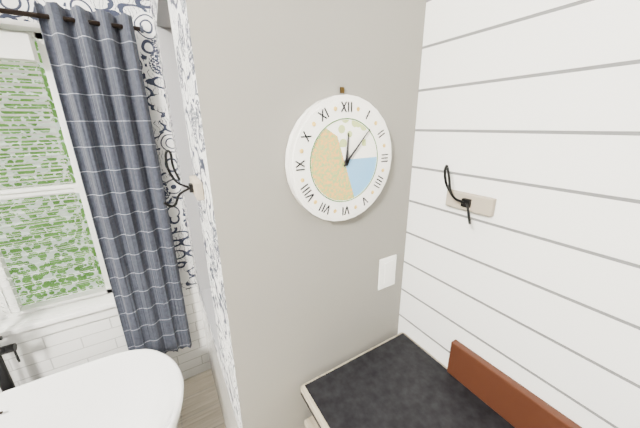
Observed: **12:07**
